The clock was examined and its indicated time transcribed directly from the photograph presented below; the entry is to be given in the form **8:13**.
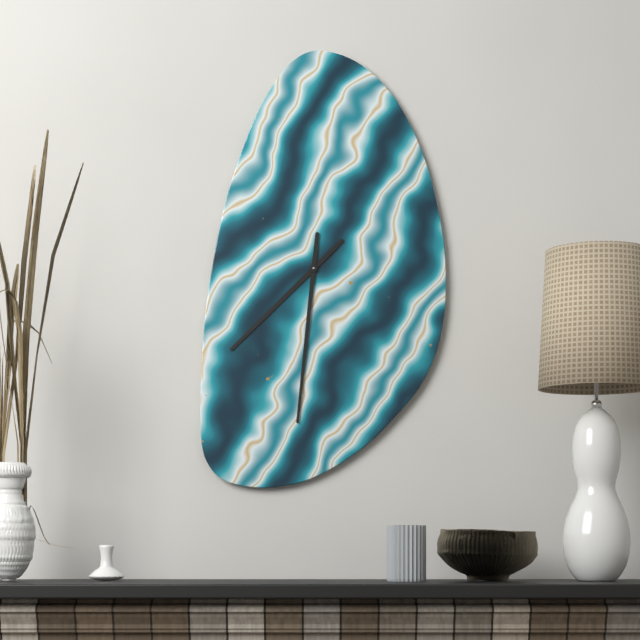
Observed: **7:31**
